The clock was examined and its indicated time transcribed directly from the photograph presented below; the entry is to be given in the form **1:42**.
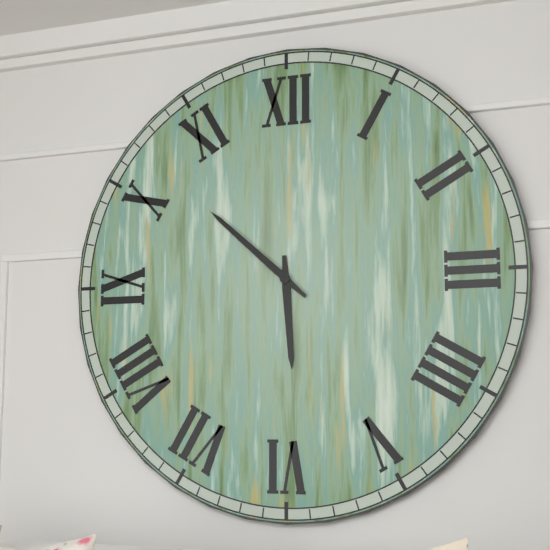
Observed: **5:52**
